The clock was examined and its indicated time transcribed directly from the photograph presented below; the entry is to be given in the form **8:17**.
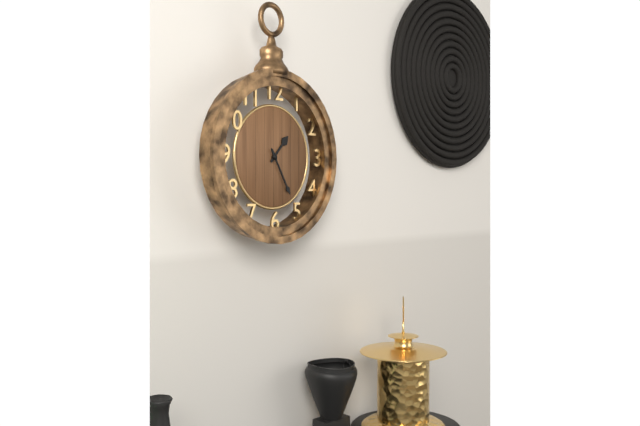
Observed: **1:25**
